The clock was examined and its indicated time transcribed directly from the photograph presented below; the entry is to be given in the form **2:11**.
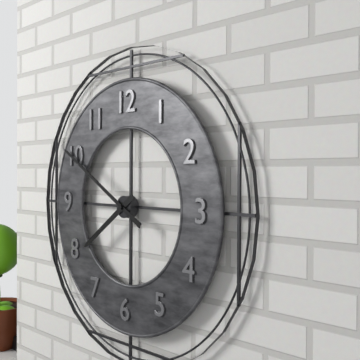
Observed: **7:50**
